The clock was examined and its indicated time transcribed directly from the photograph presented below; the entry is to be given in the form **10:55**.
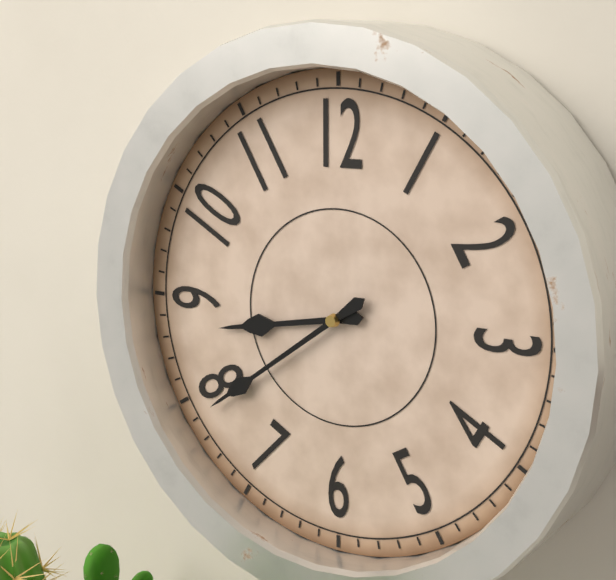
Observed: **8:39**
